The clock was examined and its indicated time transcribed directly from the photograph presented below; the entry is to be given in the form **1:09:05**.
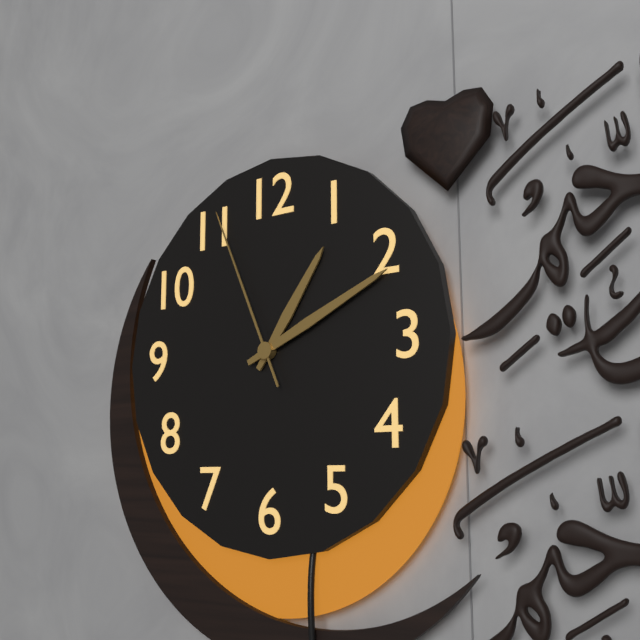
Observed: **1:11:56**
